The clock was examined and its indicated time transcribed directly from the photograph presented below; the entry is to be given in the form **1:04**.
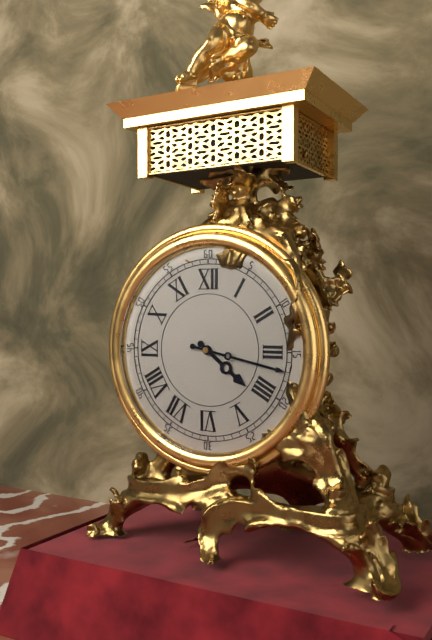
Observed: **4:17**
